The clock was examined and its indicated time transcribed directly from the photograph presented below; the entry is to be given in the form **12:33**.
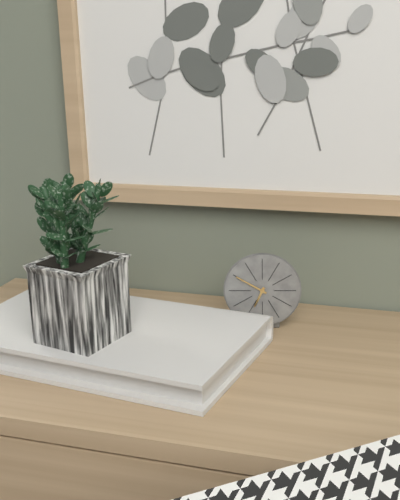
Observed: **6:50**
